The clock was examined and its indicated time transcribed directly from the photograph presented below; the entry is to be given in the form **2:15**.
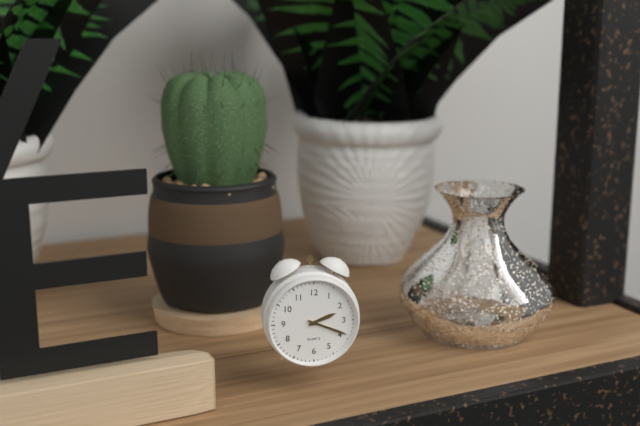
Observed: **2:19**
